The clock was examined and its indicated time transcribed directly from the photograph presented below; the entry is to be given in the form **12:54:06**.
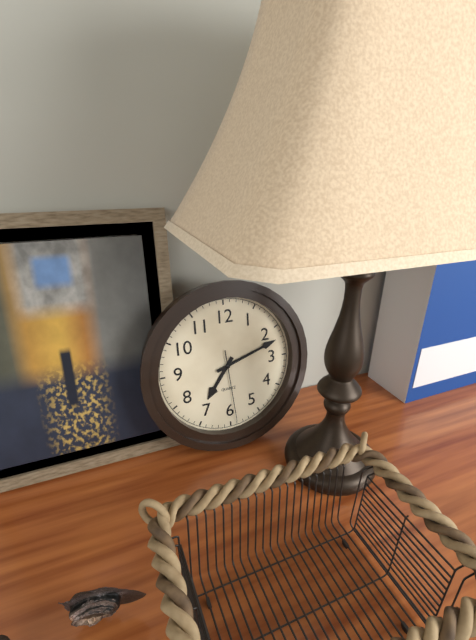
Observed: **7:12:29**
